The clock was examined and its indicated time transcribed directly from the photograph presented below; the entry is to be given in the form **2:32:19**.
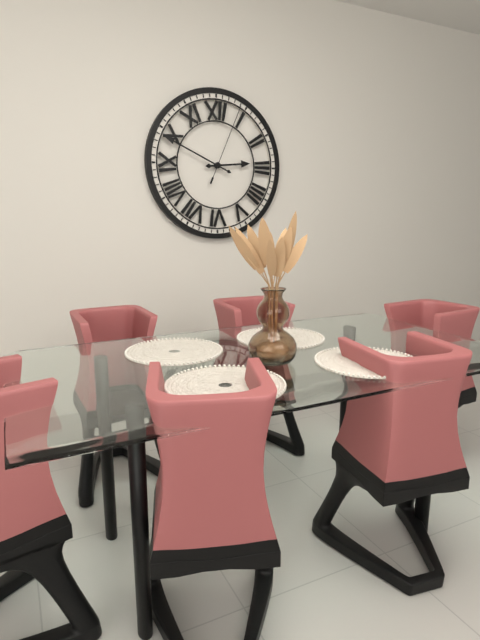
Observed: **2:49:04**
